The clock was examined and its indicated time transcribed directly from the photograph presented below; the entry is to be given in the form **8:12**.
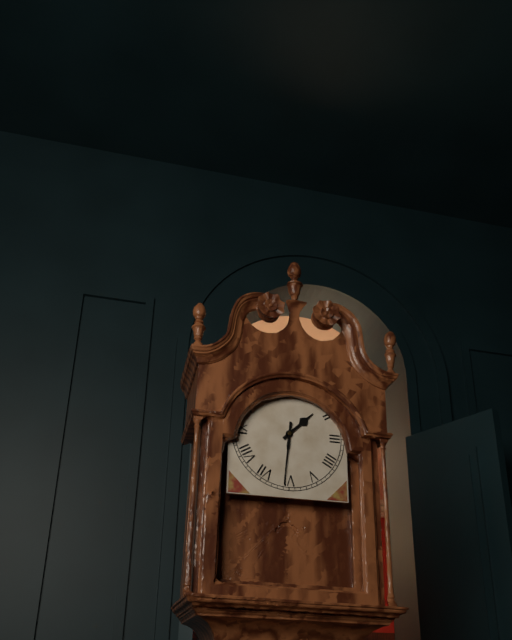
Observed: **1:31**
